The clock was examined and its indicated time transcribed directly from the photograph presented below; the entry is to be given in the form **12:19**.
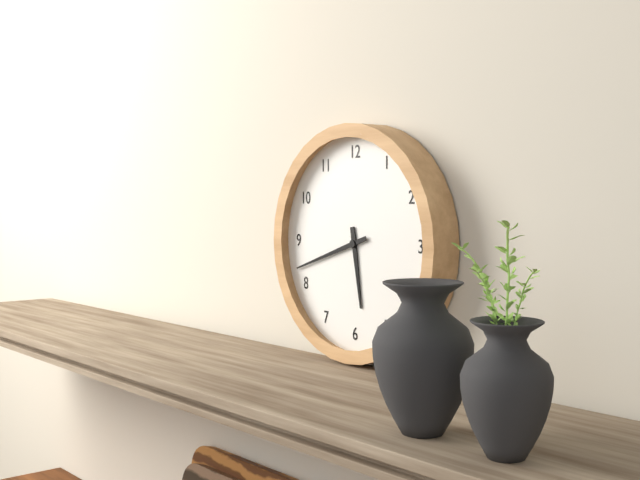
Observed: **5:42**
